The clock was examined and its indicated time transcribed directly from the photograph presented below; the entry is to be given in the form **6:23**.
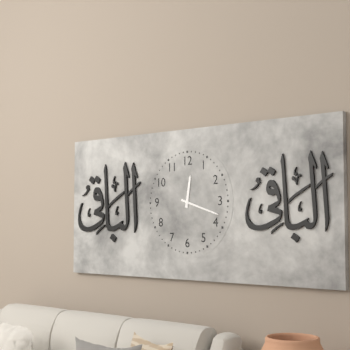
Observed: **12:18**
